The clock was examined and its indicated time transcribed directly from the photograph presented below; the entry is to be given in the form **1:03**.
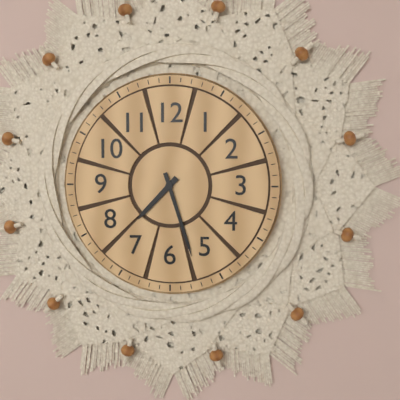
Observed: **7:27**
